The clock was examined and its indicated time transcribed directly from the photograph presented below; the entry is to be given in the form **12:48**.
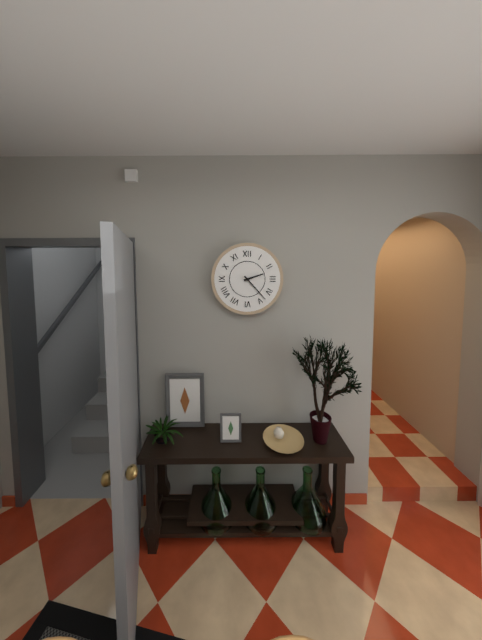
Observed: **2:23**
